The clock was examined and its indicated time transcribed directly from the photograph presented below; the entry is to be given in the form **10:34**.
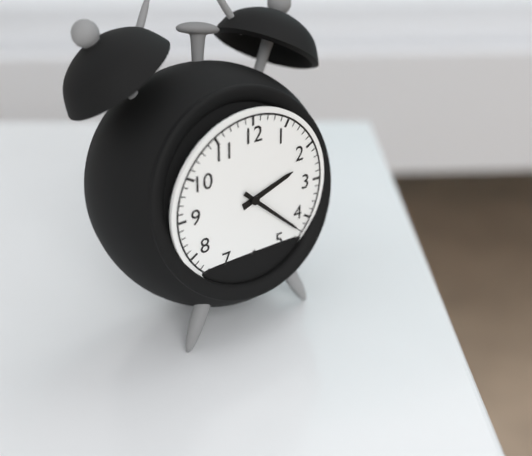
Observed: **2:22**
